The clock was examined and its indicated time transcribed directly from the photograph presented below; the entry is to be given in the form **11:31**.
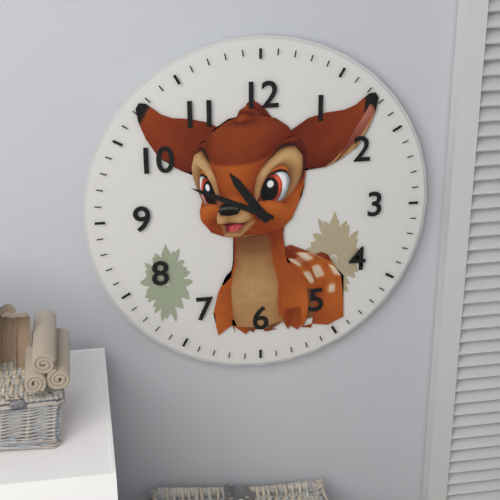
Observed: **10:49**
